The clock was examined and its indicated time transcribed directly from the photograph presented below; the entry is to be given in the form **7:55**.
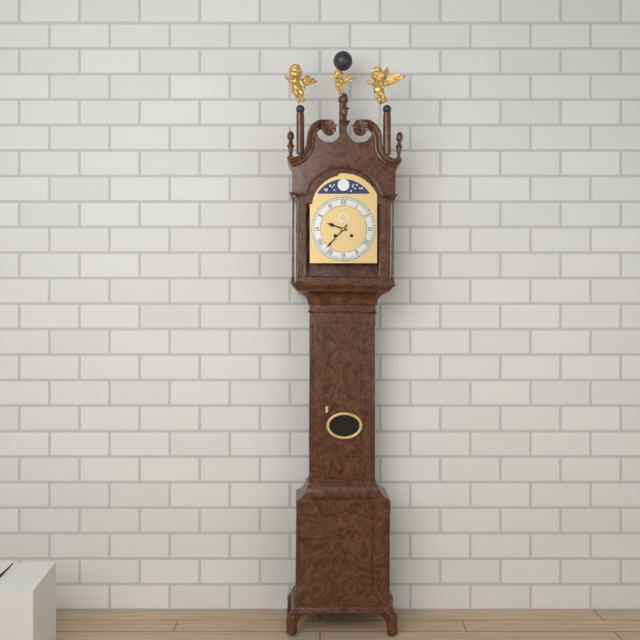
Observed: **9:37**
